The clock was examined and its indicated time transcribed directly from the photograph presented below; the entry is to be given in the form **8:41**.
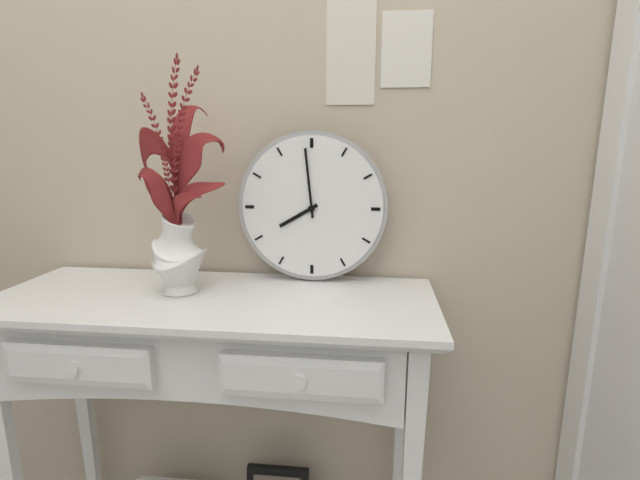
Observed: **7:59**
